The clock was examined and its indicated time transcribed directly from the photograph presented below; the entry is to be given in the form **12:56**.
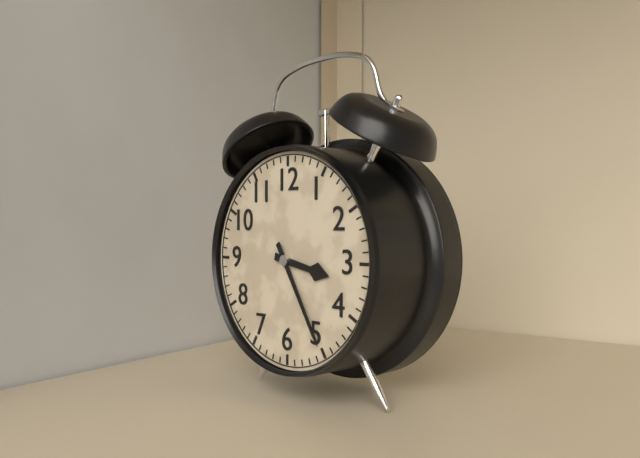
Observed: **3:25**
